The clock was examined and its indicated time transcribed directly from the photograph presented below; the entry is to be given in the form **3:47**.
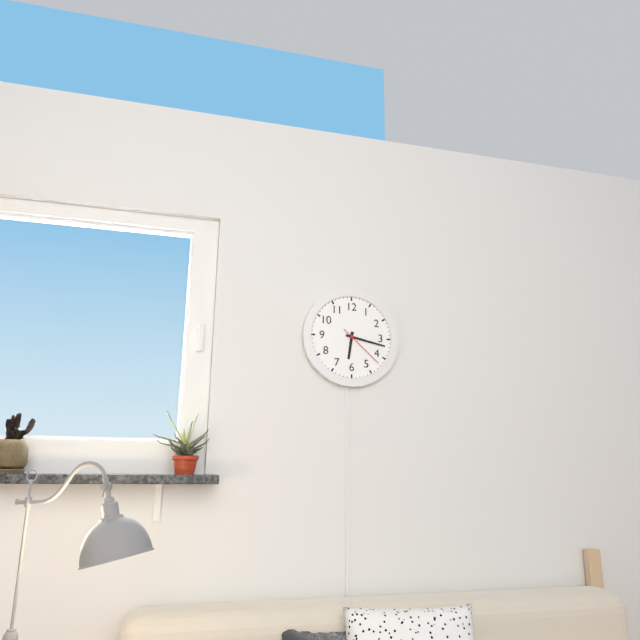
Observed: **6:17**
